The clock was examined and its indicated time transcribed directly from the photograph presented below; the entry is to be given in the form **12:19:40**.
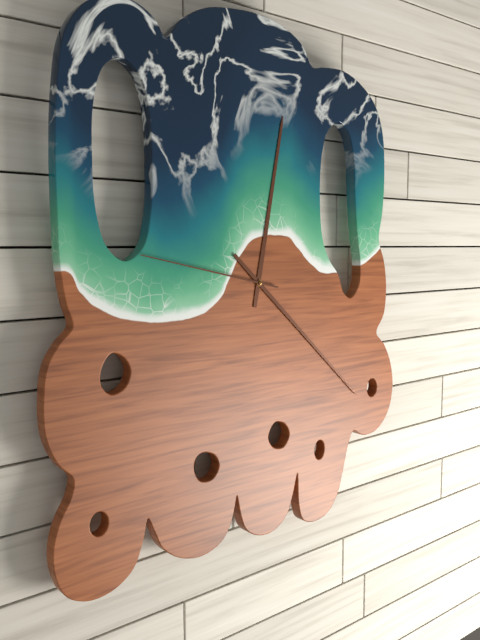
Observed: **12:22:47**
